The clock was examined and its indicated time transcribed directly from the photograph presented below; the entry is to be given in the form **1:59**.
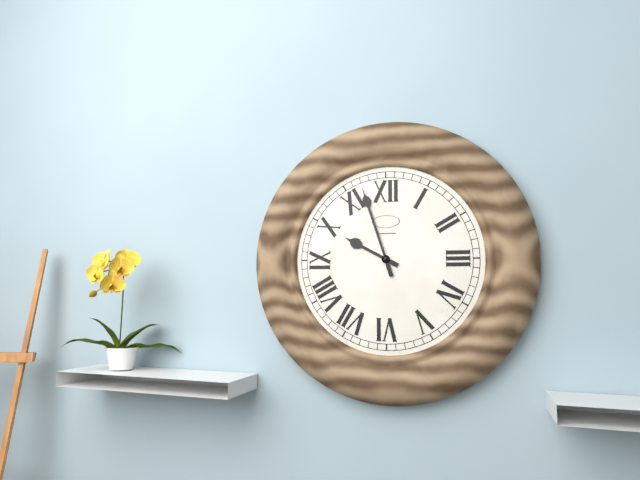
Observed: **9:57**
